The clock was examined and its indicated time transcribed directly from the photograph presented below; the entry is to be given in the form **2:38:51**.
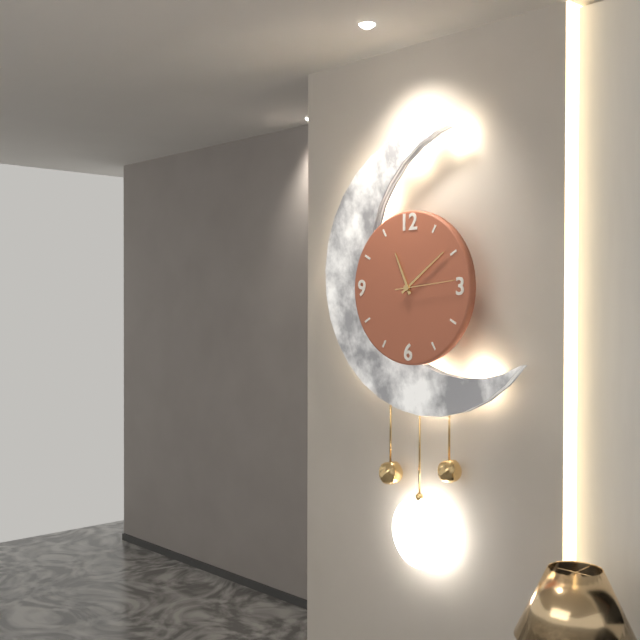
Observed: **11:09:14**
